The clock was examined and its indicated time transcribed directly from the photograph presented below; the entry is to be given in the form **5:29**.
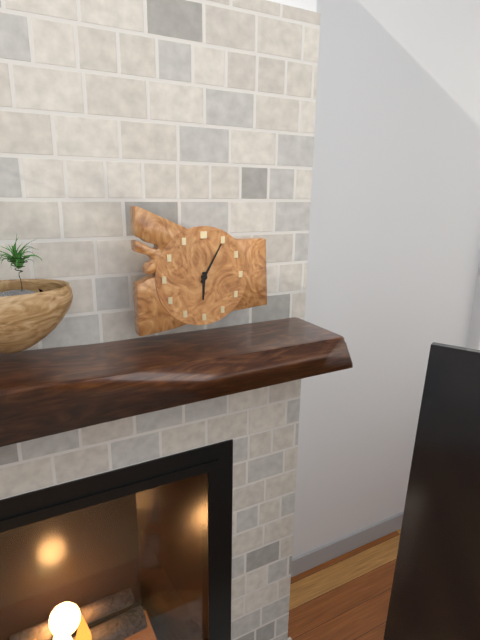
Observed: **6:05**
